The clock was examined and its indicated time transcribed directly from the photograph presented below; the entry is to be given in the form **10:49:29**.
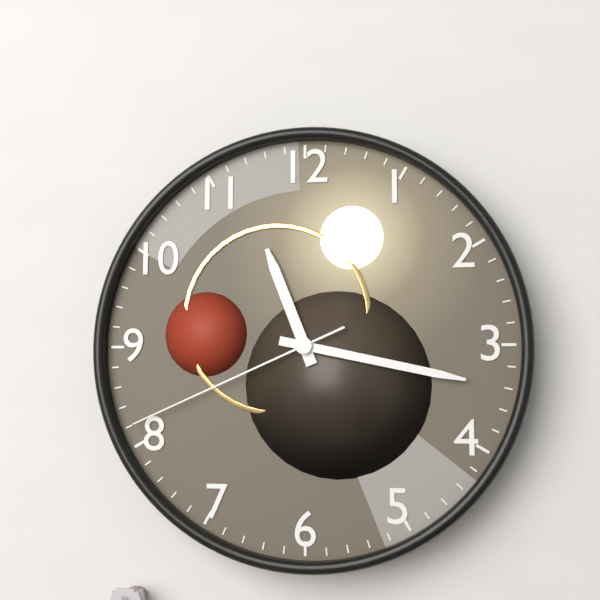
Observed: **11:17:41**
